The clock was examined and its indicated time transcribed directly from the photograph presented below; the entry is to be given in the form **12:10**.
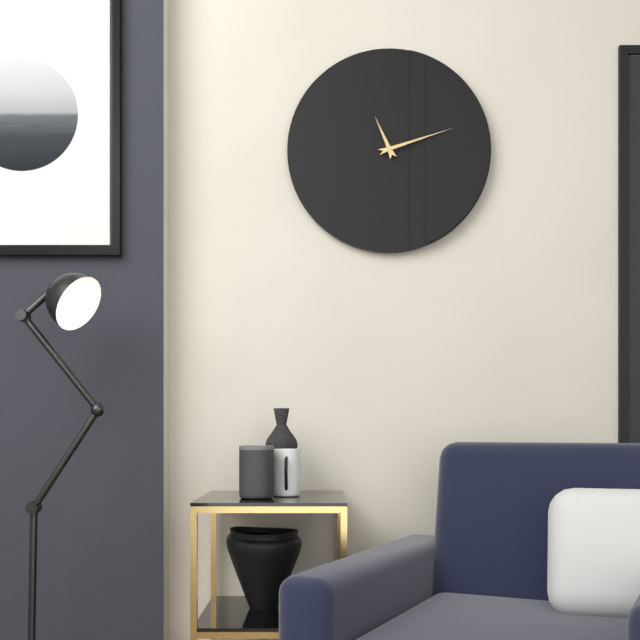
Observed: **11:12**
